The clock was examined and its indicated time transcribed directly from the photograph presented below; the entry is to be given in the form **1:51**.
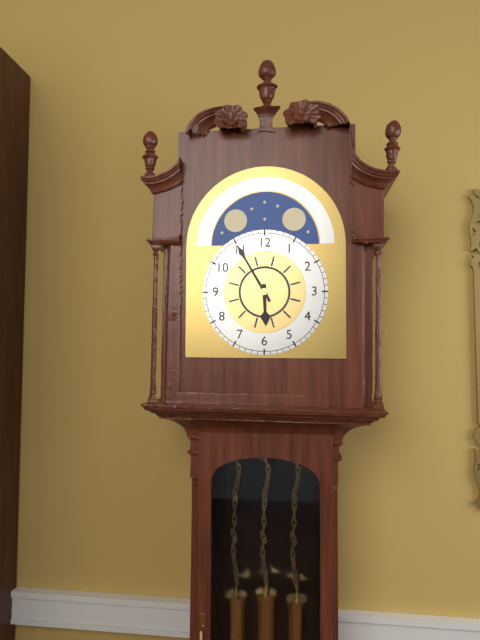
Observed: **5:55**
